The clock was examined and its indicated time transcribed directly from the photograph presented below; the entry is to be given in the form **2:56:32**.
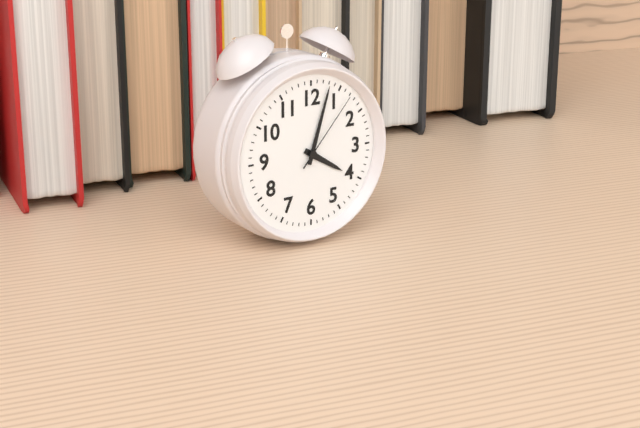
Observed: **4:03:07**
